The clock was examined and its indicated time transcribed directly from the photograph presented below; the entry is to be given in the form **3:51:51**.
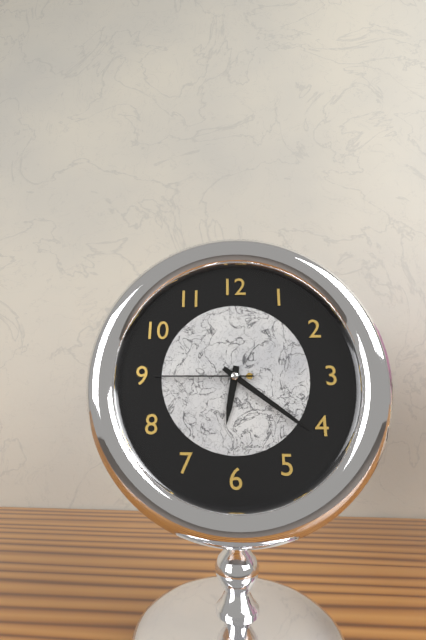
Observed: **6:21:45**
